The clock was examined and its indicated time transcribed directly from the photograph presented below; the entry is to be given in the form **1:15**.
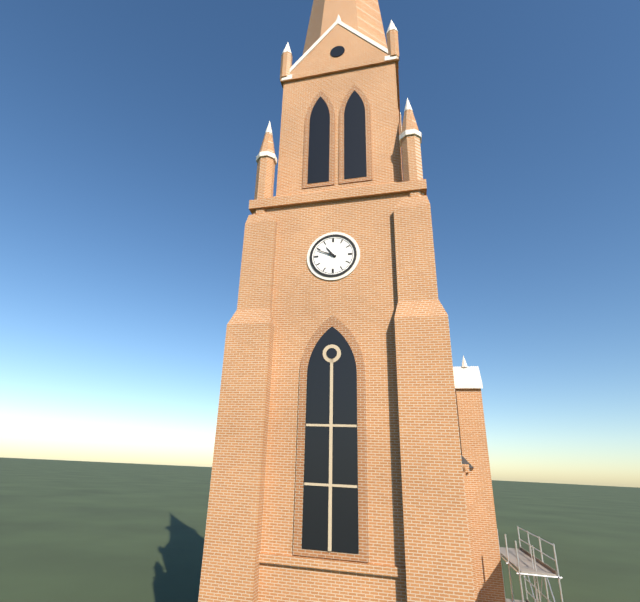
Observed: **10:49**
